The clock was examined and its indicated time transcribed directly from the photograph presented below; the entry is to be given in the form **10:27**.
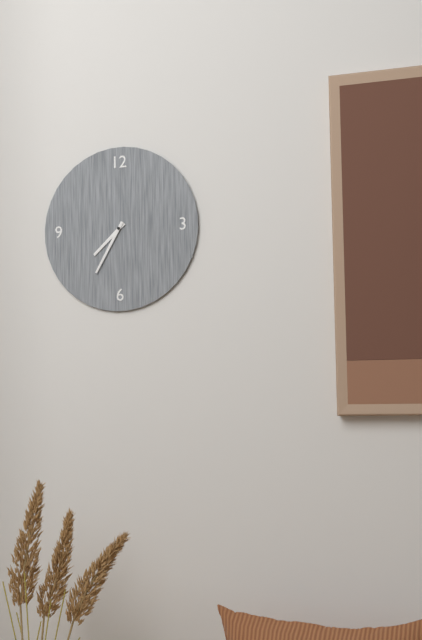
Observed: **7:35**
